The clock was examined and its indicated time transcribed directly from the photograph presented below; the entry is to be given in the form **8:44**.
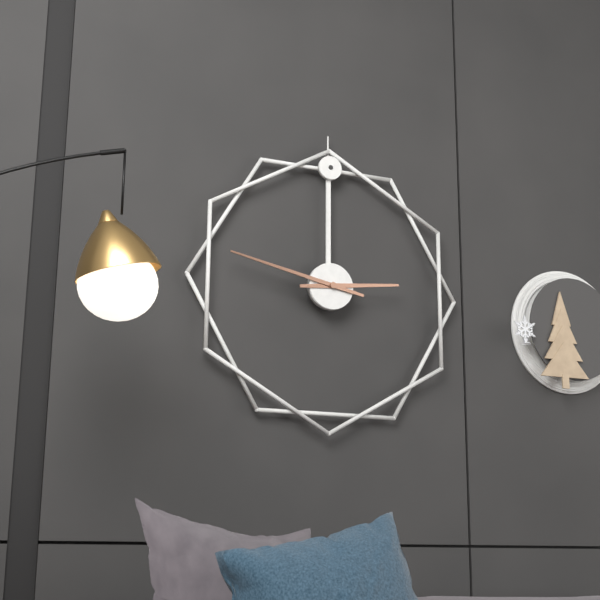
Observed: **2:47**
